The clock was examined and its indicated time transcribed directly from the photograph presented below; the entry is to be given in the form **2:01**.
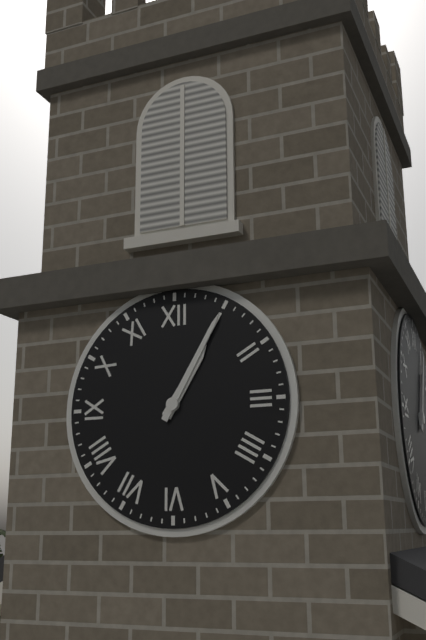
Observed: **1:05**
